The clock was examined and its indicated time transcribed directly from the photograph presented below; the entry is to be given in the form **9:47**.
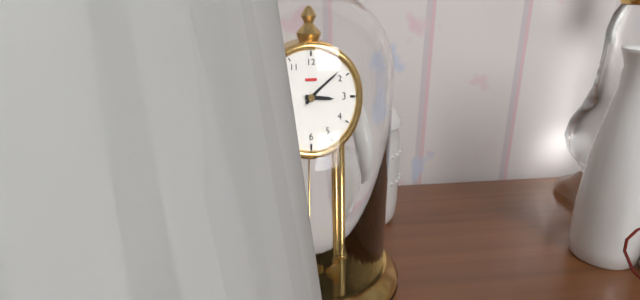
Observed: **3:08**
